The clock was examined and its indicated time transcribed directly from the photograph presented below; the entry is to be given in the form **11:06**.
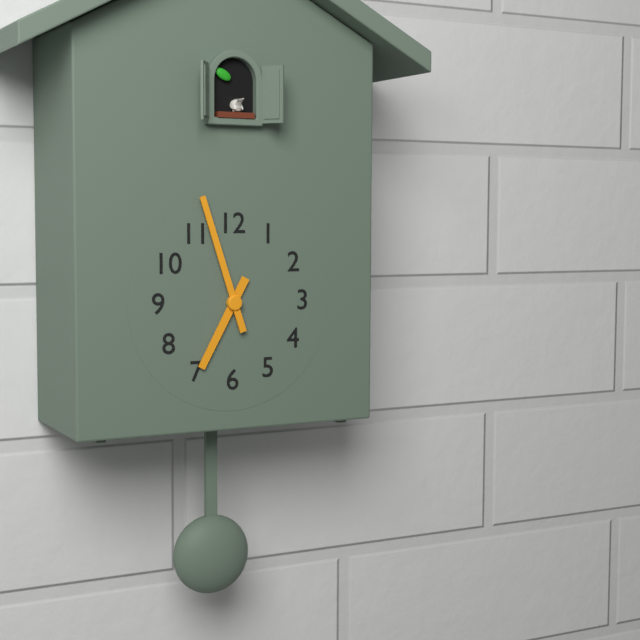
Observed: **6:57**
